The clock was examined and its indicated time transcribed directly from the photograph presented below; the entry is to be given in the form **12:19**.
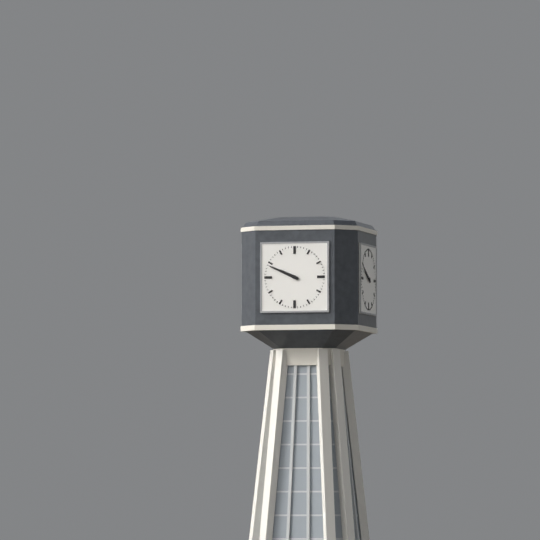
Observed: **9:49**
